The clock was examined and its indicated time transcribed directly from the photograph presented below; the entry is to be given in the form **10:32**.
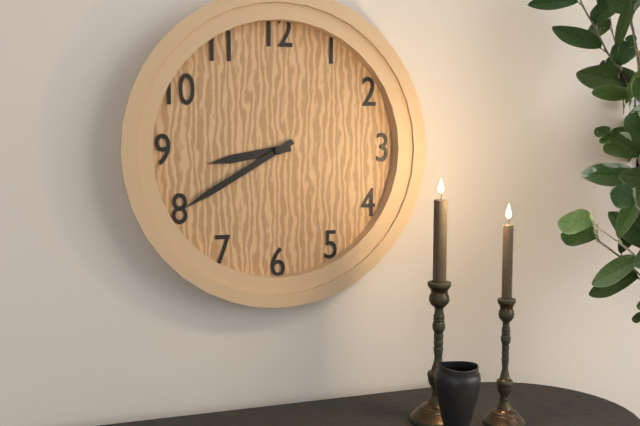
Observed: **8:40**
